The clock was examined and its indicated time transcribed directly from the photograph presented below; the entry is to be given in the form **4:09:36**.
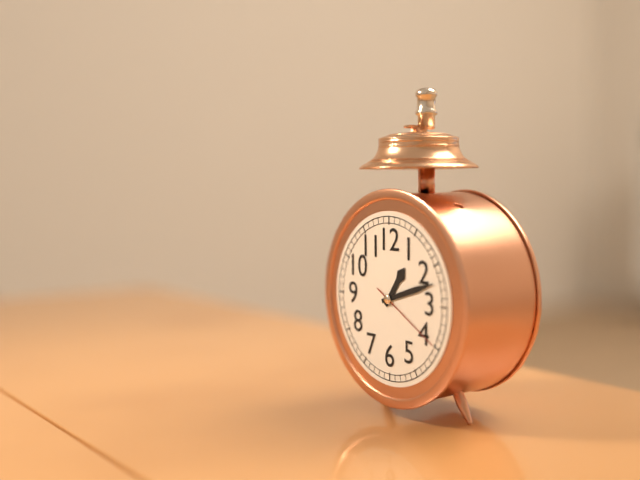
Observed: **1:12:20**
